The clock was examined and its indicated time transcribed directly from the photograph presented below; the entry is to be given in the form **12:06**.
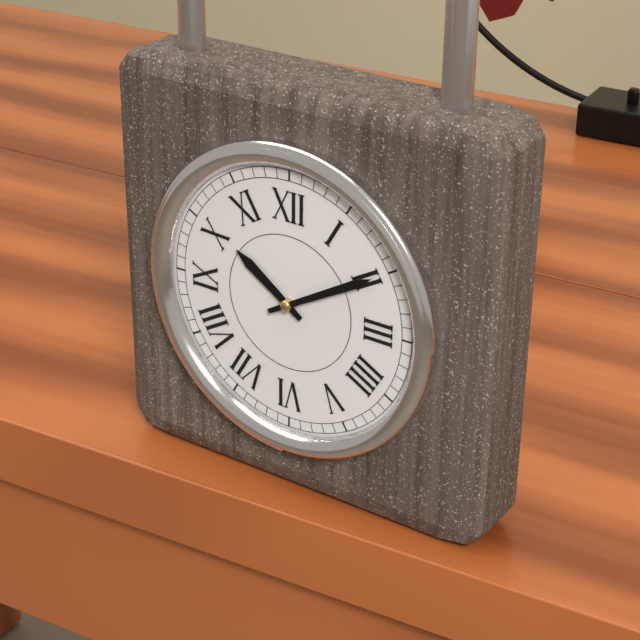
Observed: **10:10**
